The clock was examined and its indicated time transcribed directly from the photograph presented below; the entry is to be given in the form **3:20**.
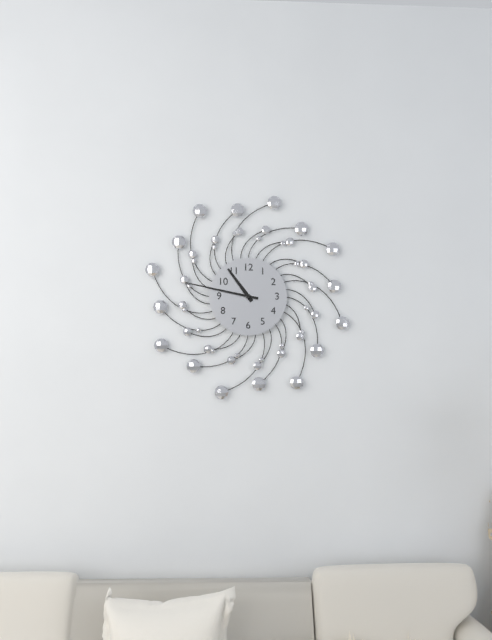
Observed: **10:47**
